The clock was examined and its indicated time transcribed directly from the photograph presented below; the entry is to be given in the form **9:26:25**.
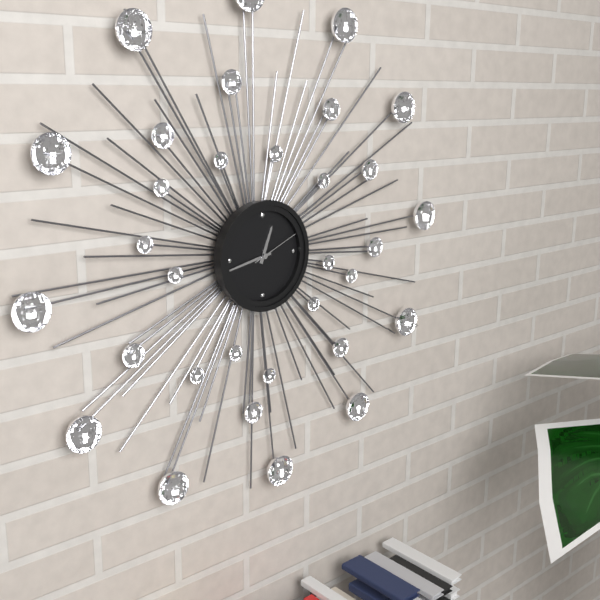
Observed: **12:43:11**
